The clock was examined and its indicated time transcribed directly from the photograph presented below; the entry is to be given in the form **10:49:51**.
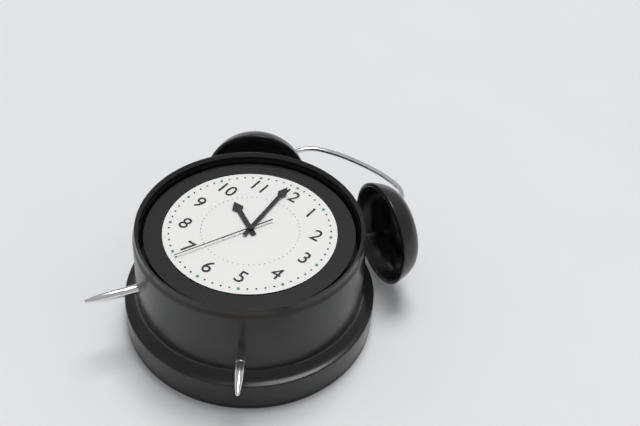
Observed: **9:59:34**
